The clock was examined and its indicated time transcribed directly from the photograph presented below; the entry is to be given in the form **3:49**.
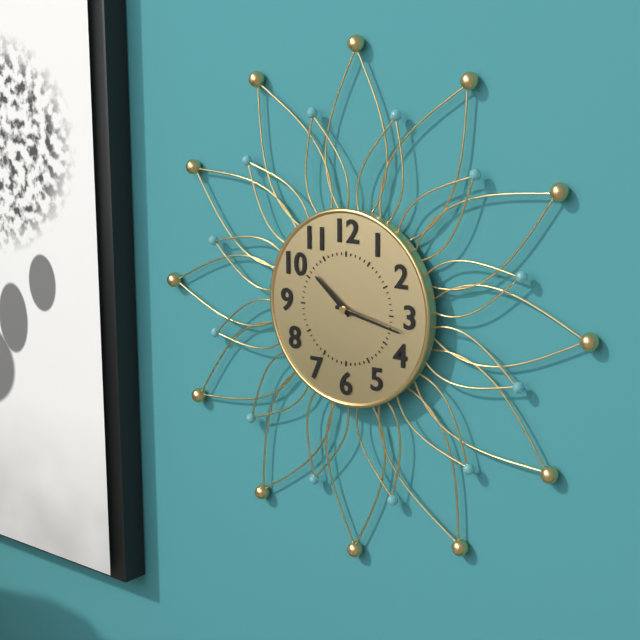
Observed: **10:17**
